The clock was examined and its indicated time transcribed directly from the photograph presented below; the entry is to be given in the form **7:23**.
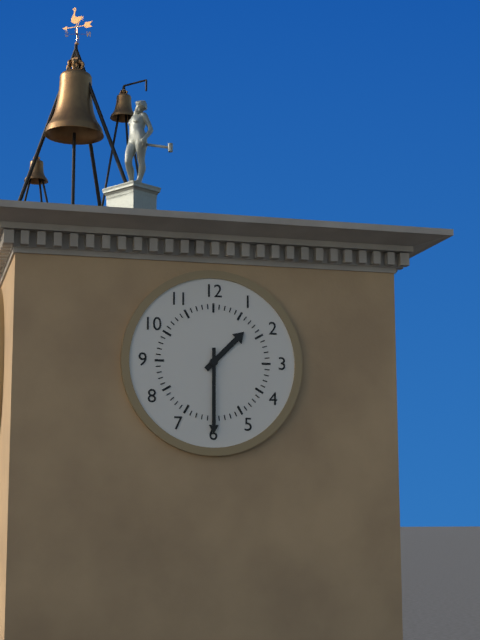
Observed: **1:30**
